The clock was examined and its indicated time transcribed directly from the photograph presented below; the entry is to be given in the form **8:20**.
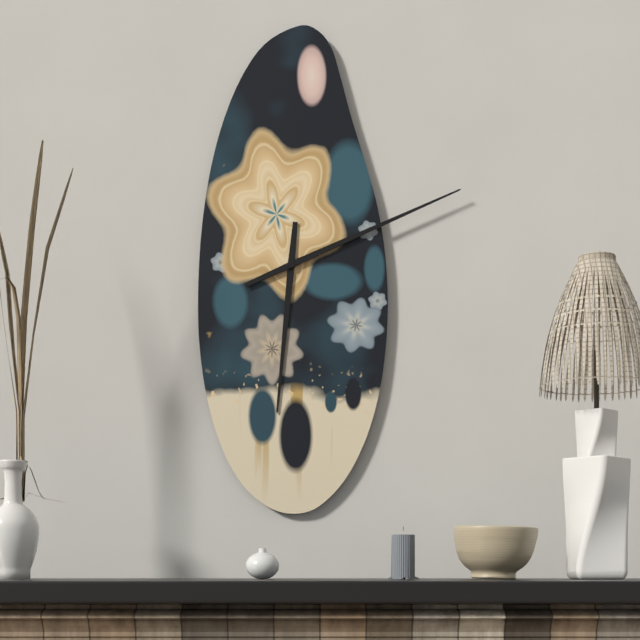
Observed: **6:11**
